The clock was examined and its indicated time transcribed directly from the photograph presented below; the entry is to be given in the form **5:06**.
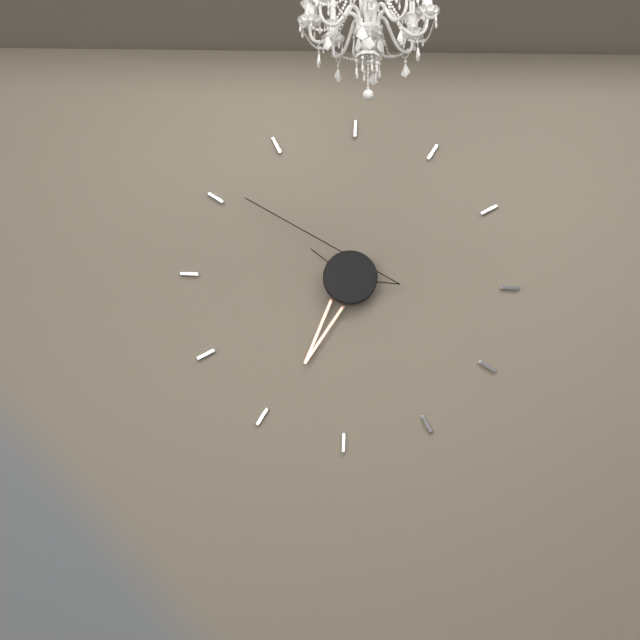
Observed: **6:51**
